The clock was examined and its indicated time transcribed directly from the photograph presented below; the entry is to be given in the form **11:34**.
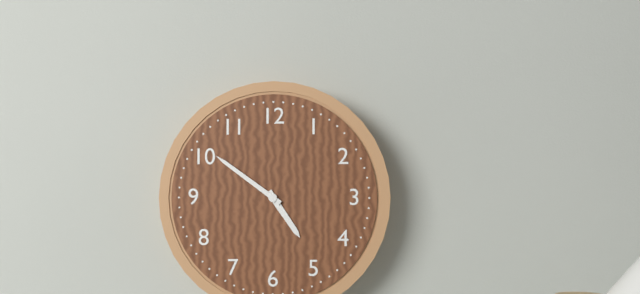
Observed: **4:51**
